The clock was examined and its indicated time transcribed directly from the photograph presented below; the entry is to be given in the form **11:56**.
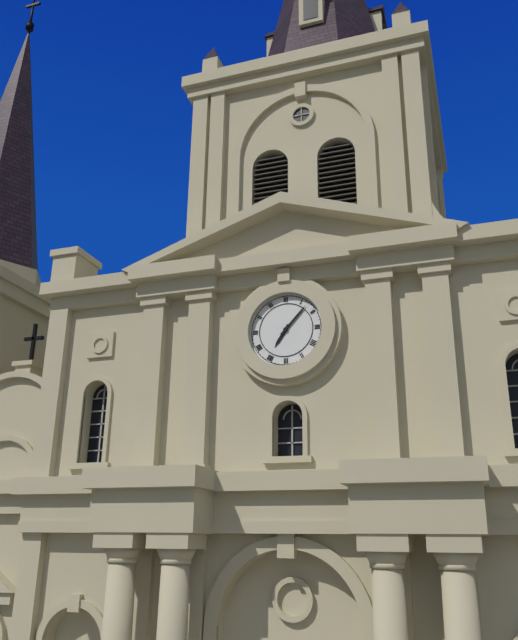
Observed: **7:07**
